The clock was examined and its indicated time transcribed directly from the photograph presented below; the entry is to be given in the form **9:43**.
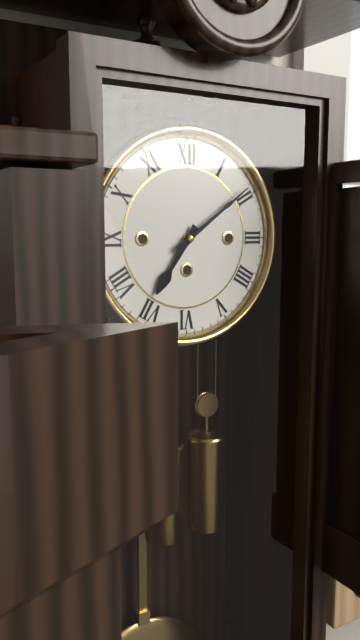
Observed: **7:09**
